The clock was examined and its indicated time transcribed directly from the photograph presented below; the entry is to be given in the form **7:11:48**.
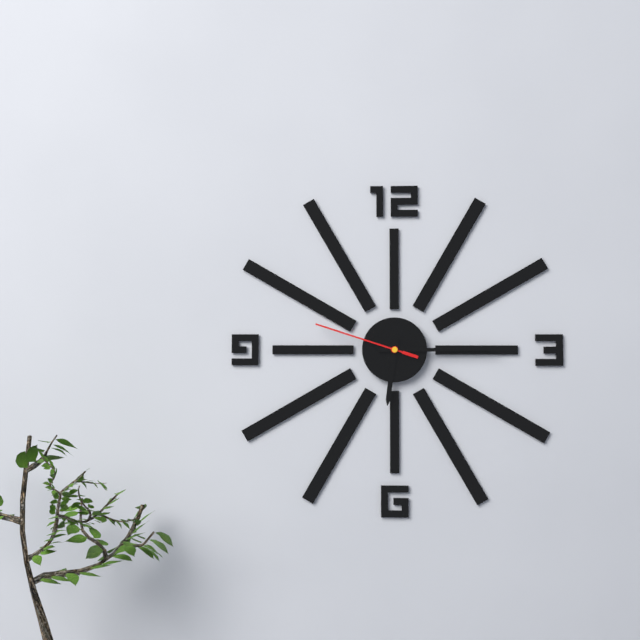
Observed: **6:15:48**
